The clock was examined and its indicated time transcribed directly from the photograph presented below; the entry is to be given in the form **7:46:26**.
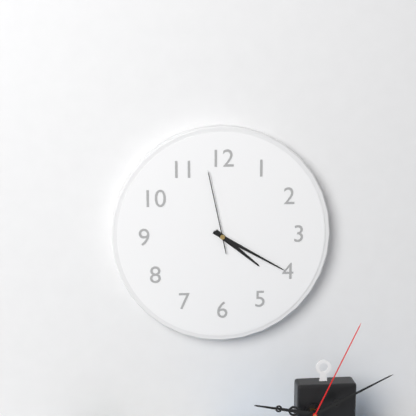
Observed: **4:20:58**
